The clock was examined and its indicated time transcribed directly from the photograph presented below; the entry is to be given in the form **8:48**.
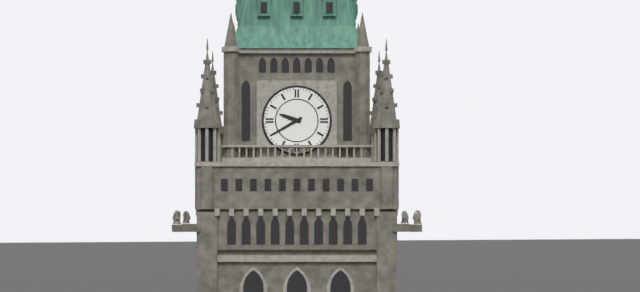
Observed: **9:40**
